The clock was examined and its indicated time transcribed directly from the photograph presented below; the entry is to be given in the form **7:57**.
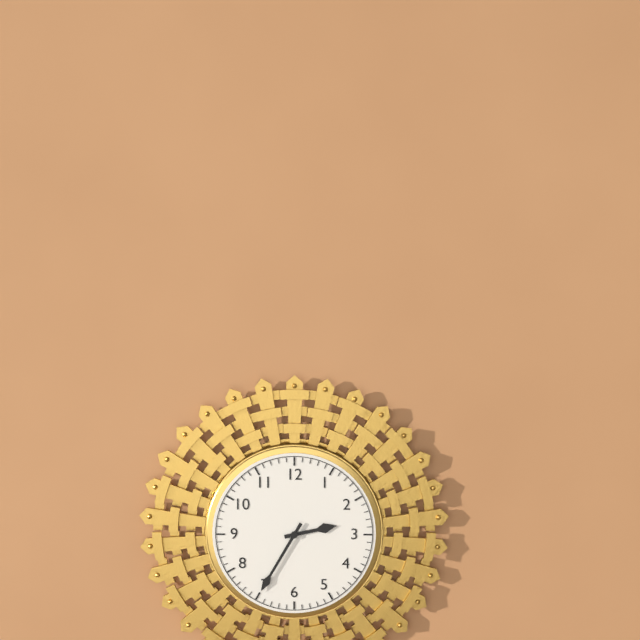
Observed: **2:35**
